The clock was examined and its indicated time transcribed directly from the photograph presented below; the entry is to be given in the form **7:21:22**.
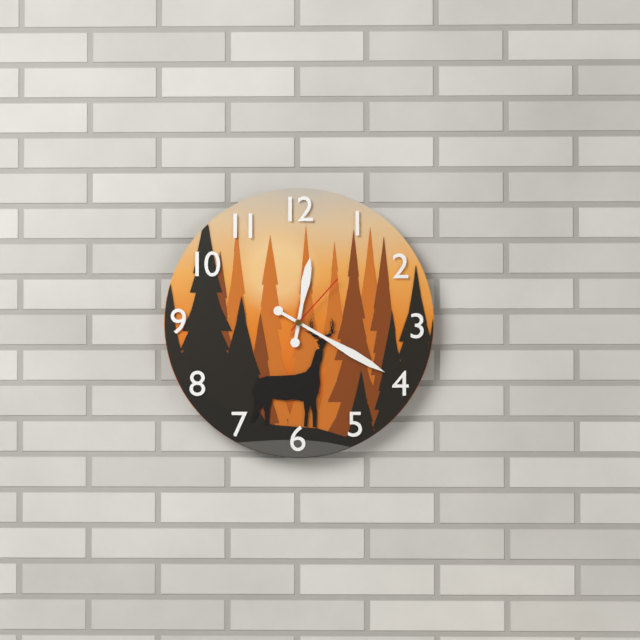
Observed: **12:20:07**
